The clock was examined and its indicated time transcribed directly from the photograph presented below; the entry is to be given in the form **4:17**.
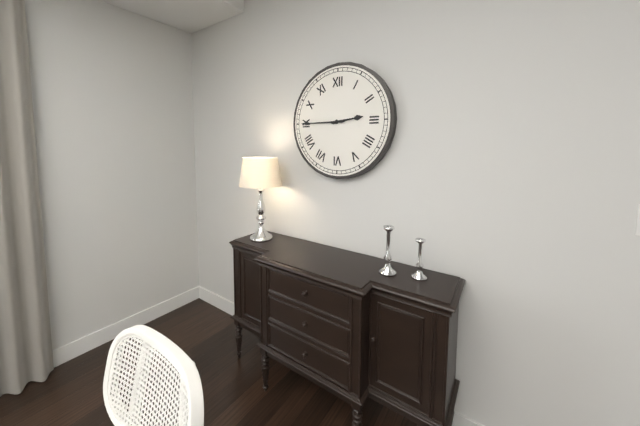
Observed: **2:45**
